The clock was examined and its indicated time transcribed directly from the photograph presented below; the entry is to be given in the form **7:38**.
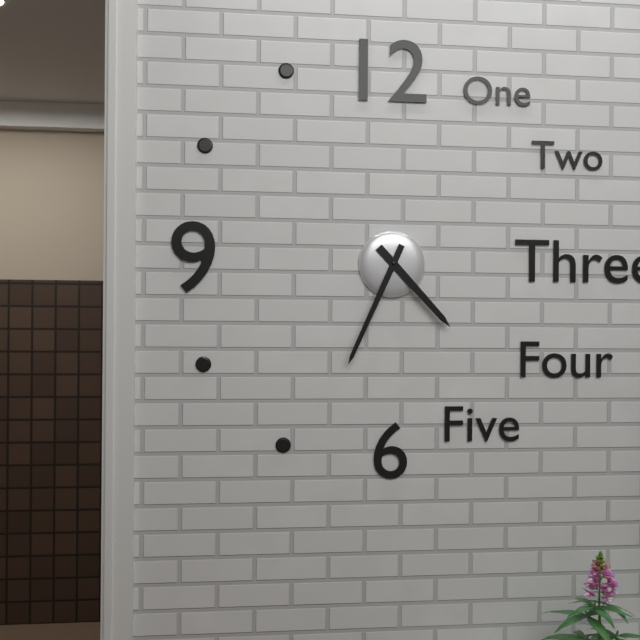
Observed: **4:34**
